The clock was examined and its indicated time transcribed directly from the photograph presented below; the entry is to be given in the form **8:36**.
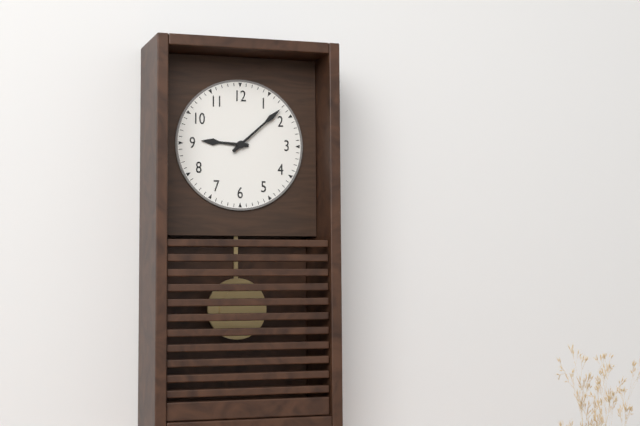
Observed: **9:08**
